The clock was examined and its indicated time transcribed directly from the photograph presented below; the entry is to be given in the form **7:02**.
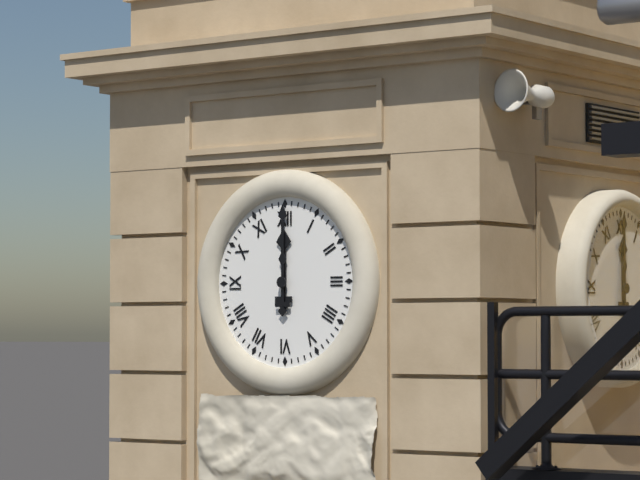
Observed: **12:00**
